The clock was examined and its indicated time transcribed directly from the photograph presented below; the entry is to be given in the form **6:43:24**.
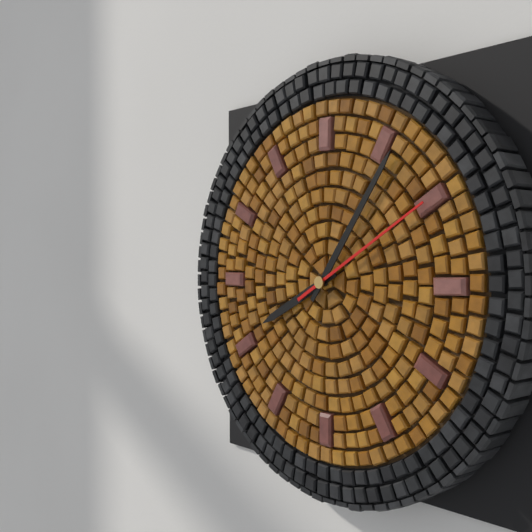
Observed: **8:06:10**
